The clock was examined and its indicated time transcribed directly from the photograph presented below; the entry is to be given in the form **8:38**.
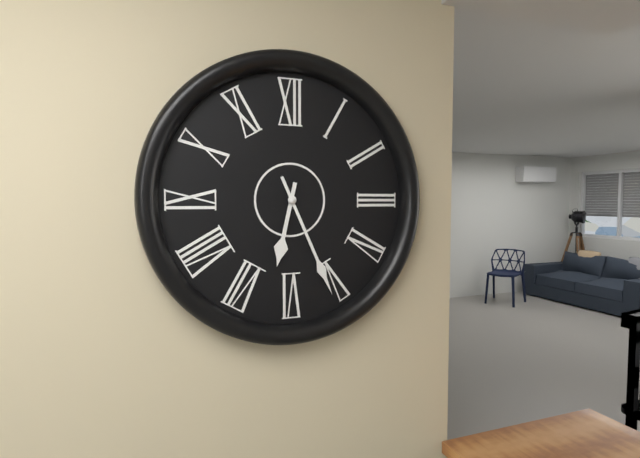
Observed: **6:26**
